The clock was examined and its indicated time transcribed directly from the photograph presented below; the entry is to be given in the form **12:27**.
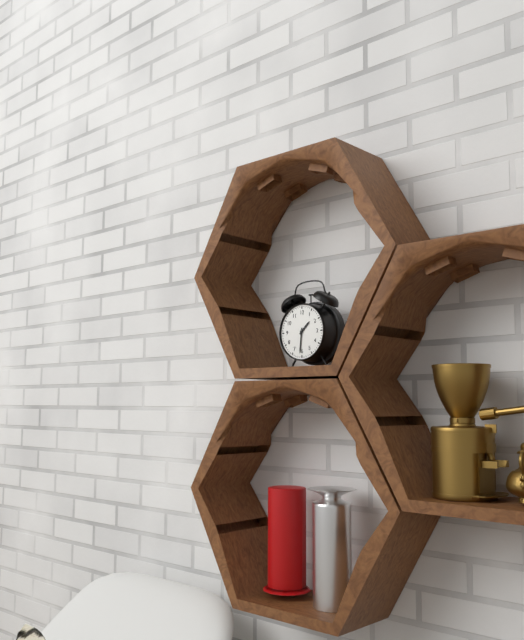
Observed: **1:31**
